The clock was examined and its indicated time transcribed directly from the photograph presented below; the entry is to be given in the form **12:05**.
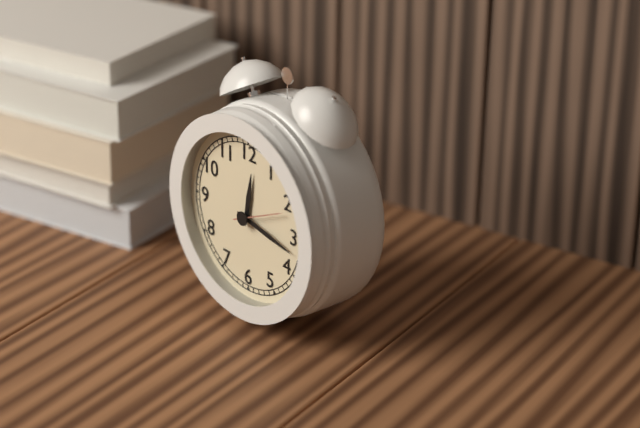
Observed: **12:17**
